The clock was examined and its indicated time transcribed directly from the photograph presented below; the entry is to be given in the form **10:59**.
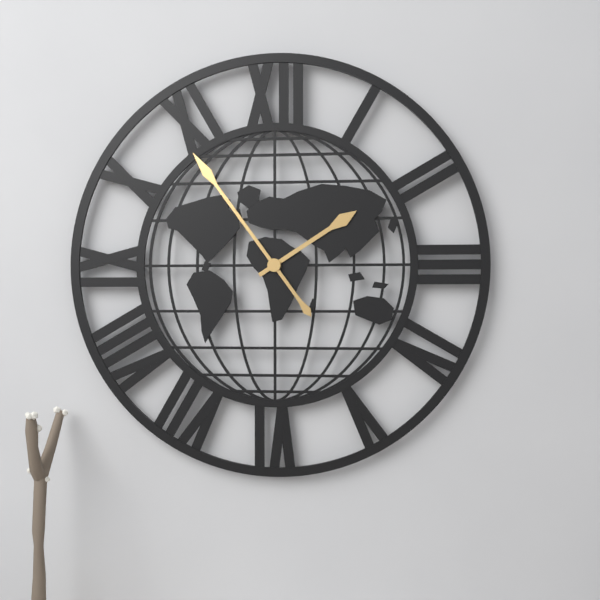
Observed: **1:54**
